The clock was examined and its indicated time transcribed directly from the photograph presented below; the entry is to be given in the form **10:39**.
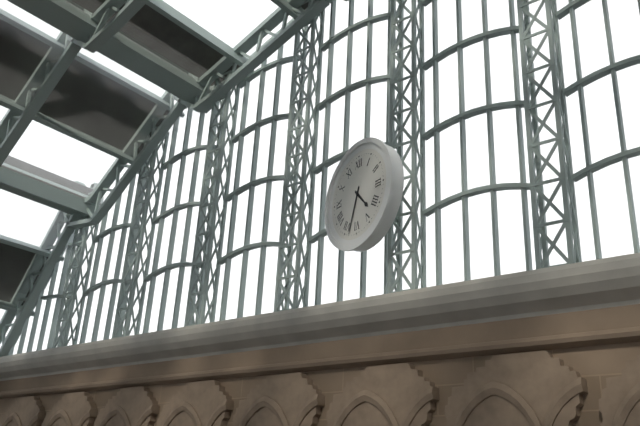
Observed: **4:33**
